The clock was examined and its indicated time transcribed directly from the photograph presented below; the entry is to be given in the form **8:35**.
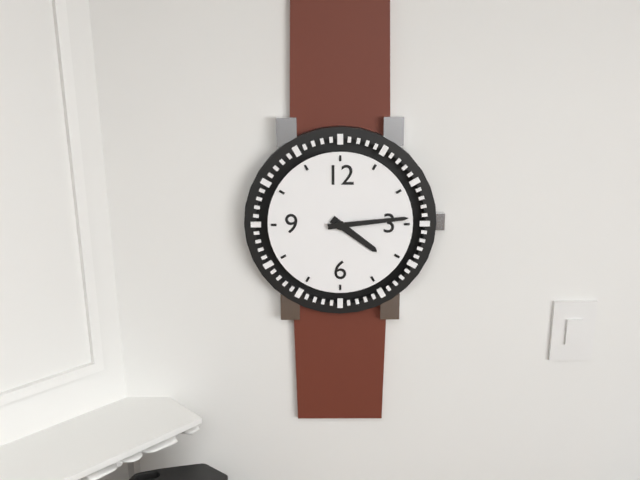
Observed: **4:14**
